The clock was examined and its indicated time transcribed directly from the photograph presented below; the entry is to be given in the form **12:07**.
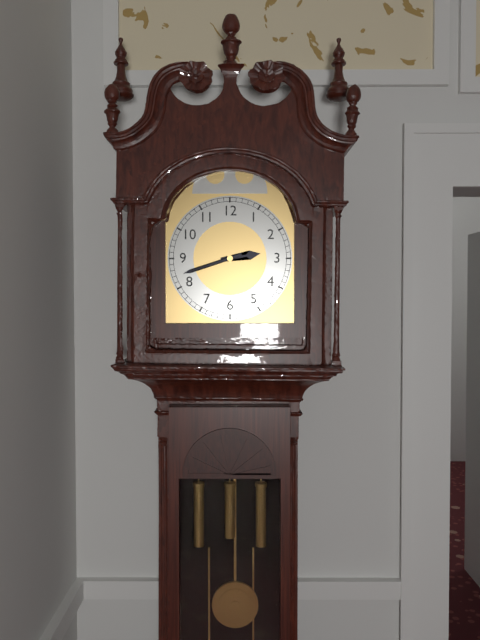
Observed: **2:42**
